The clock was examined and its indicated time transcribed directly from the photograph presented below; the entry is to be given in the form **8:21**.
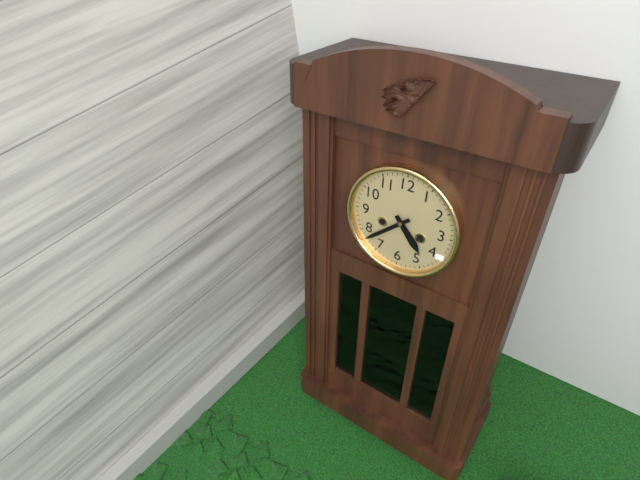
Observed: **4:38**
